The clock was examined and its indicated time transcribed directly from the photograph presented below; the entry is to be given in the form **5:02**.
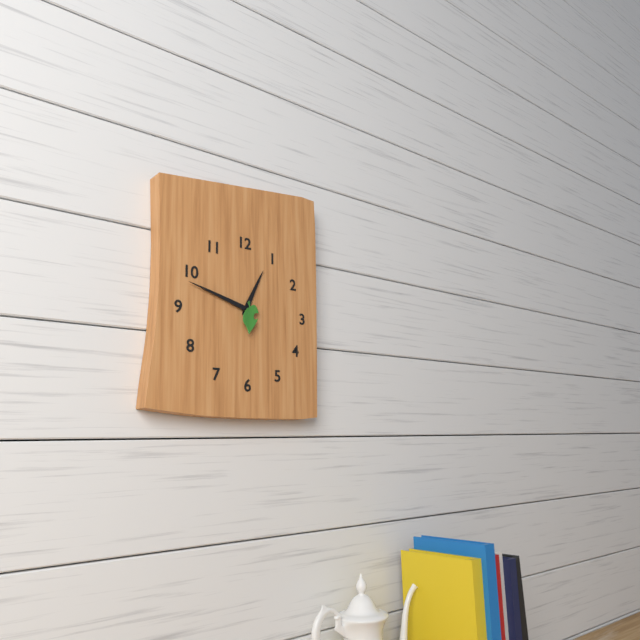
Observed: **12:48**
